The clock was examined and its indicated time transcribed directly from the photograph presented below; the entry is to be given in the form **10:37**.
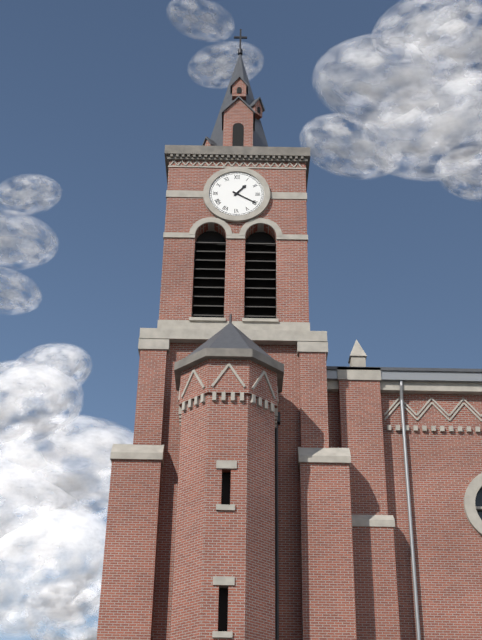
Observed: **1:20**
